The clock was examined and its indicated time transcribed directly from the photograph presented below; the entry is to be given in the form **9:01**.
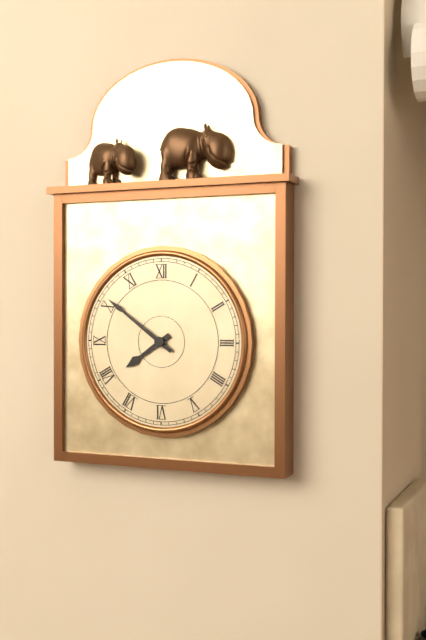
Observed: **7:51**
